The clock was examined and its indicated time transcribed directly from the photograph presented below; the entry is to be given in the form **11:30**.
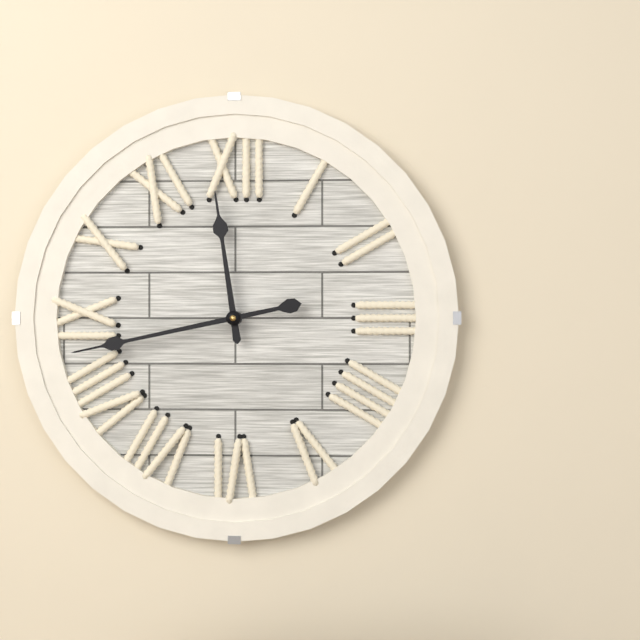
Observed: **11:43**
